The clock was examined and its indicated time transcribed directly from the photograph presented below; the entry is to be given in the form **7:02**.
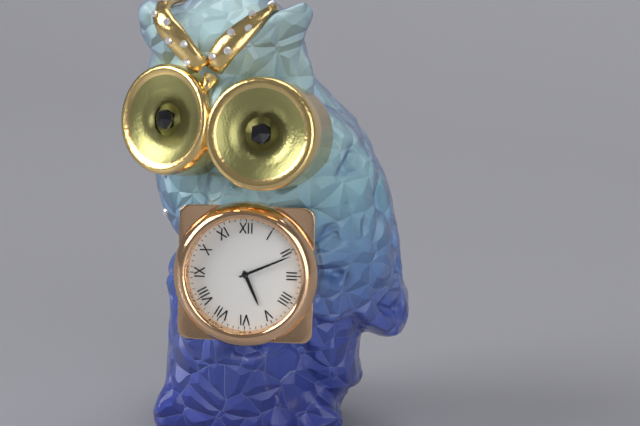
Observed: **5:11**
